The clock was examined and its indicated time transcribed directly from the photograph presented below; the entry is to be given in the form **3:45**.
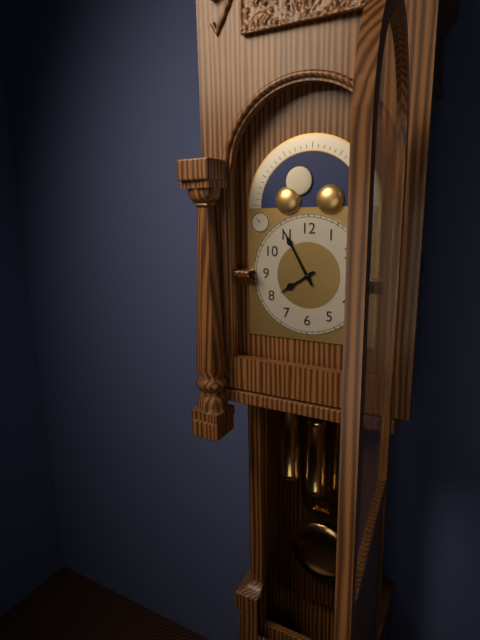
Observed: **7:55**
